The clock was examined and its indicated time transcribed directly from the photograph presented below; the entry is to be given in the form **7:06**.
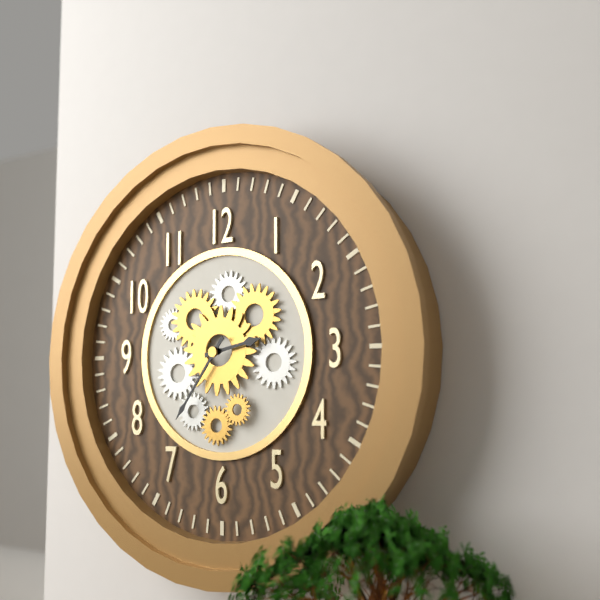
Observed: **2:36**
